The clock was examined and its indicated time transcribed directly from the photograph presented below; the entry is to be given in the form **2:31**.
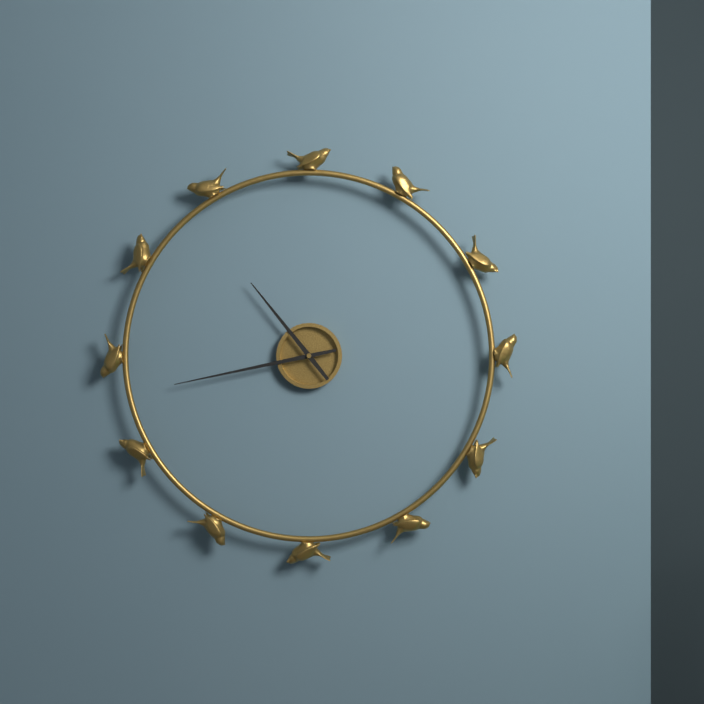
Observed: **10:43**
